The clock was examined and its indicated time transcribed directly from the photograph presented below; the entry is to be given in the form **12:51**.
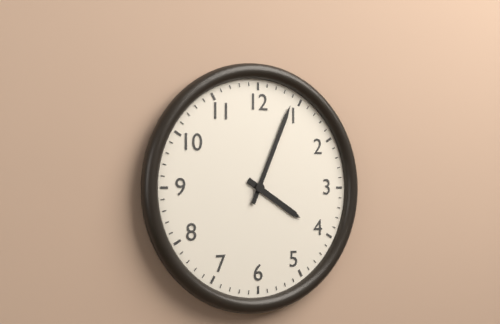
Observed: **4:04**
